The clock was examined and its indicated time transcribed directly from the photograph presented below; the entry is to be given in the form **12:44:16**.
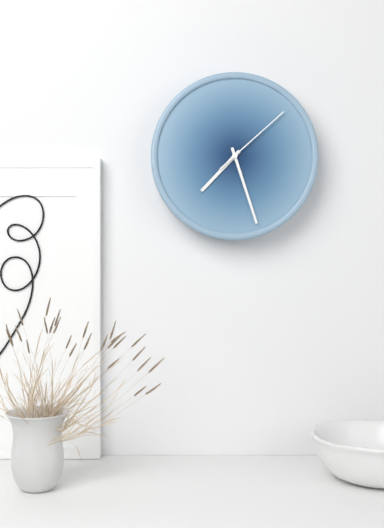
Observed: **7:27:08**
